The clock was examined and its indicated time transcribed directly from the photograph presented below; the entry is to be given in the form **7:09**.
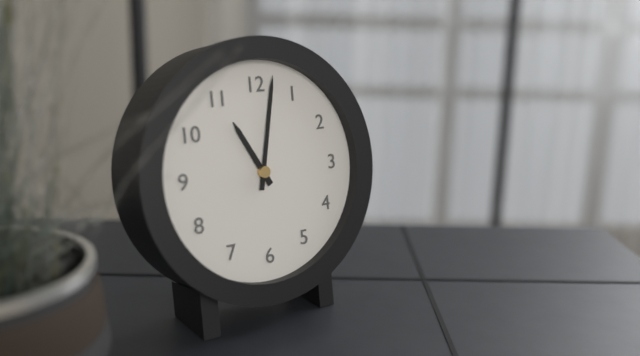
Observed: **11:02**
